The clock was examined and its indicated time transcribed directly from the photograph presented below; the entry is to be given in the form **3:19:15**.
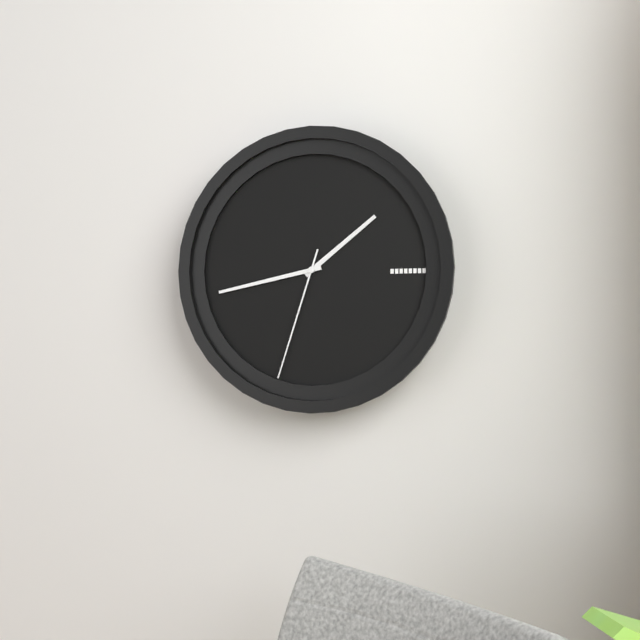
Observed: **1:43:33**
